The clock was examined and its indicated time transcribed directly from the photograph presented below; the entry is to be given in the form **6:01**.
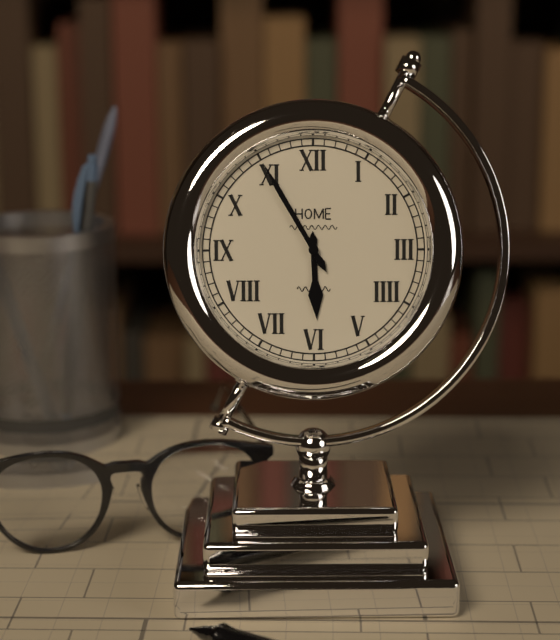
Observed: **5:55**
